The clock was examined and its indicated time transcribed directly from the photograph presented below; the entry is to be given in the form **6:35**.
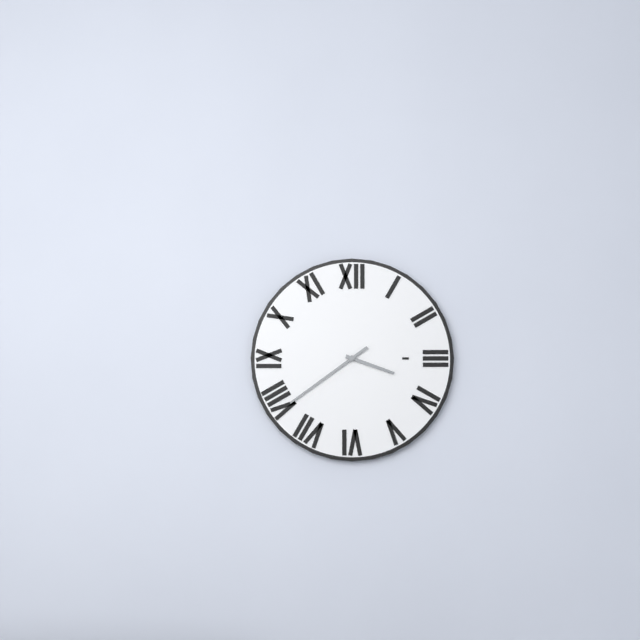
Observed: **3:39**
